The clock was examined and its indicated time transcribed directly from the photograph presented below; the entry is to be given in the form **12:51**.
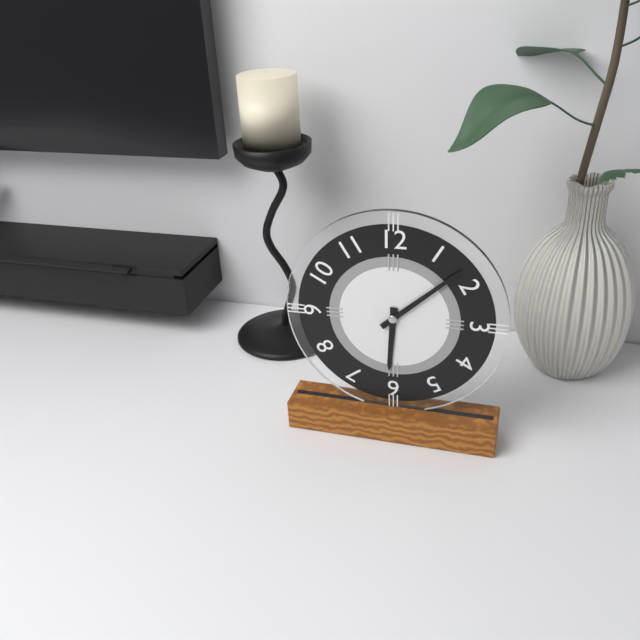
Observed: **6:08**
